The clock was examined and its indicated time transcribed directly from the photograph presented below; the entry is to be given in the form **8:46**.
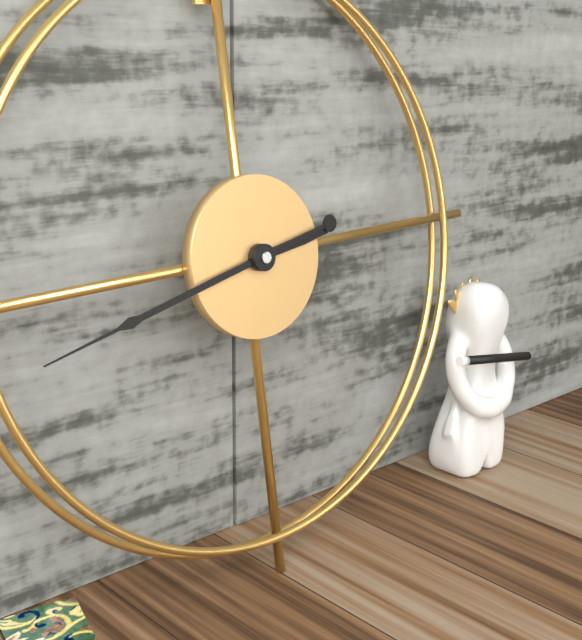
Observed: **2:43**
